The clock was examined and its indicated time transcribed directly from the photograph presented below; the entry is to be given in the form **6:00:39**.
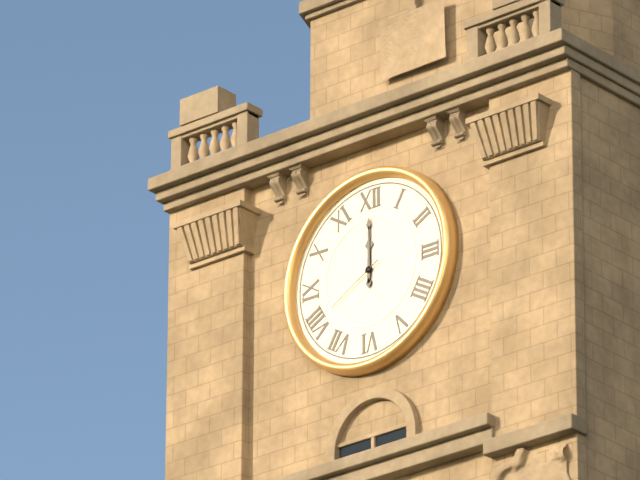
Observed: **12:00:40**
